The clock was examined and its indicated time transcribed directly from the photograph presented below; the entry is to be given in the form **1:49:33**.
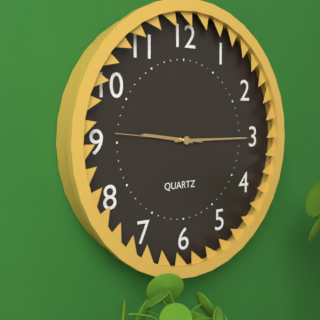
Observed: **9:15:46**
